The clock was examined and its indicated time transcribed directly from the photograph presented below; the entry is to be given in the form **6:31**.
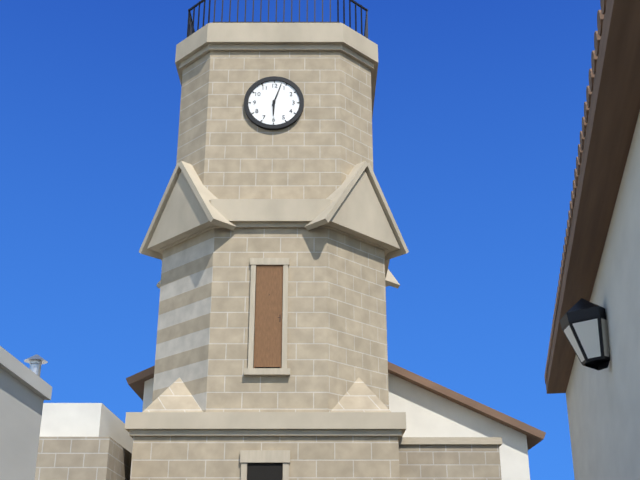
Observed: **6:03**
